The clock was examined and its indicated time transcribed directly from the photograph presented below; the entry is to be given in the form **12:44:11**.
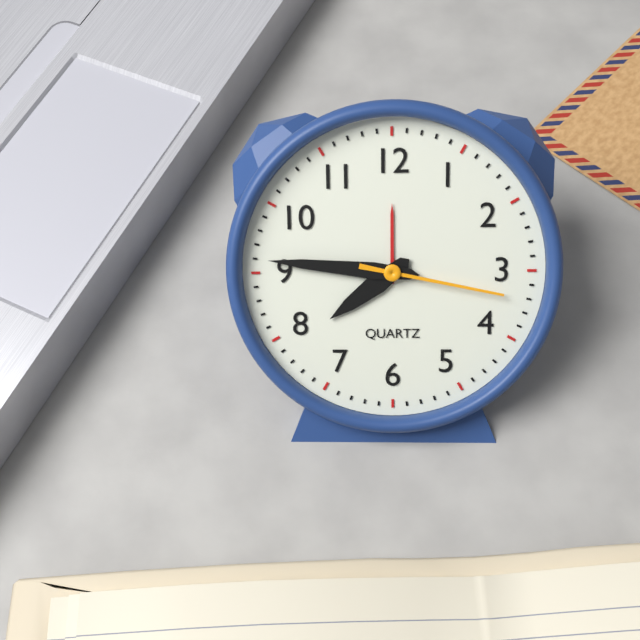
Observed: **7:46:17**
